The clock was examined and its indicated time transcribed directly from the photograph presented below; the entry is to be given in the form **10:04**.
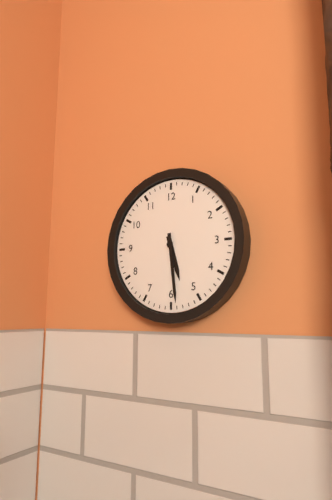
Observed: **5:29**
